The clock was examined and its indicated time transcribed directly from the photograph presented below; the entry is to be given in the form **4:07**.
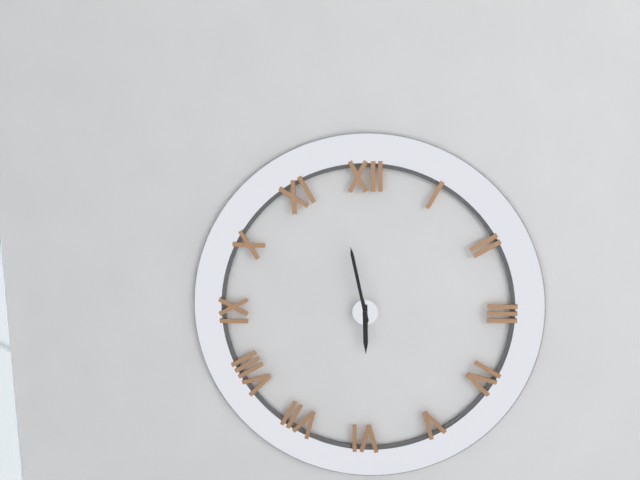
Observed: **5:58**
